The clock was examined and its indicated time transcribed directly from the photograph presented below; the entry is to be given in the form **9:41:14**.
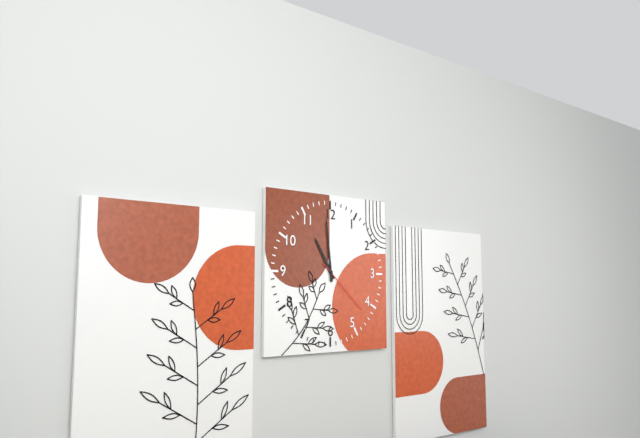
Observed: **10:59:22**
